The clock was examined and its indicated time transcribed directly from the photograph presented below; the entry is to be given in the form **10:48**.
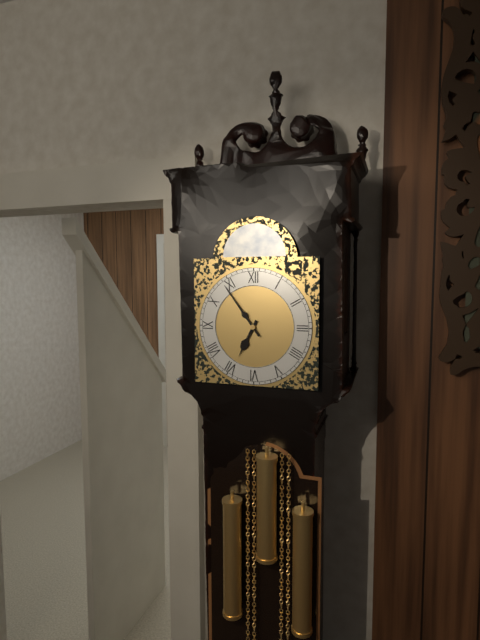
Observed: **6:54**
